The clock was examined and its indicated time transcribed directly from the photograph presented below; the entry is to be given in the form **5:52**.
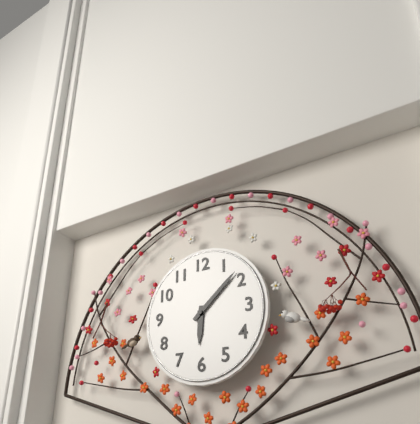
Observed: **6:08**
